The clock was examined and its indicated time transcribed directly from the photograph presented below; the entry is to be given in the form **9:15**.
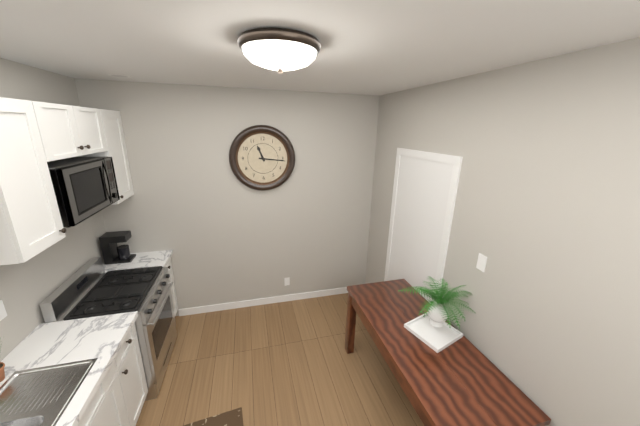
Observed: **11:16**
